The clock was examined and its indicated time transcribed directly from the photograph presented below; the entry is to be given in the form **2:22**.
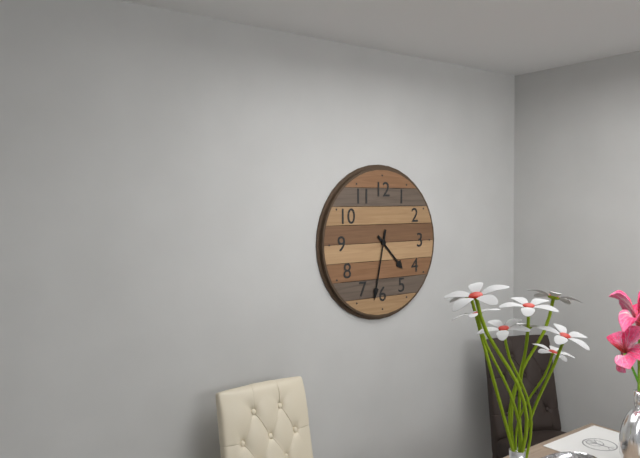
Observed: **4:32**
